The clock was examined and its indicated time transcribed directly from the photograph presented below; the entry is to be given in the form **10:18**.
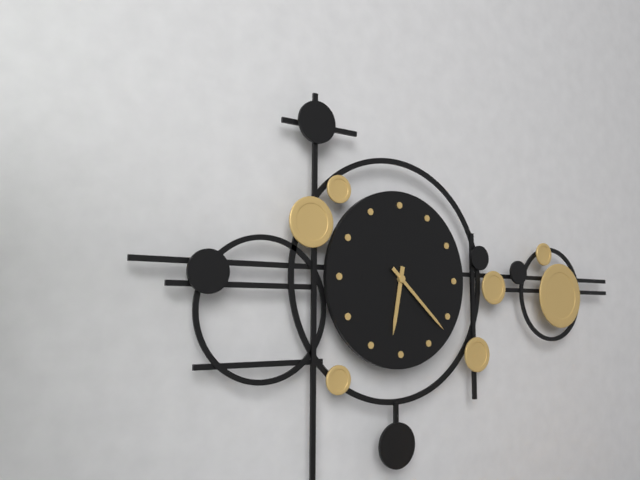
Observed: **6:22**
